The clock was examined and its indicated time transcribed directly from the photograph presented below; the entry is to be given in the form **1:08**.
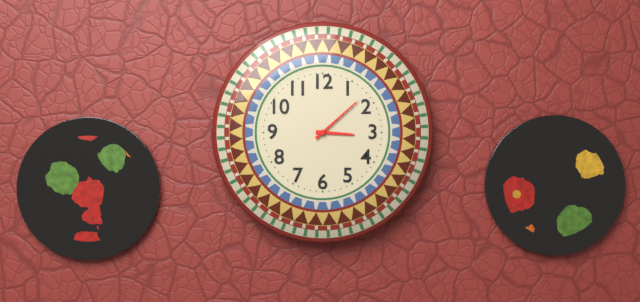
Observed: **3:08**
